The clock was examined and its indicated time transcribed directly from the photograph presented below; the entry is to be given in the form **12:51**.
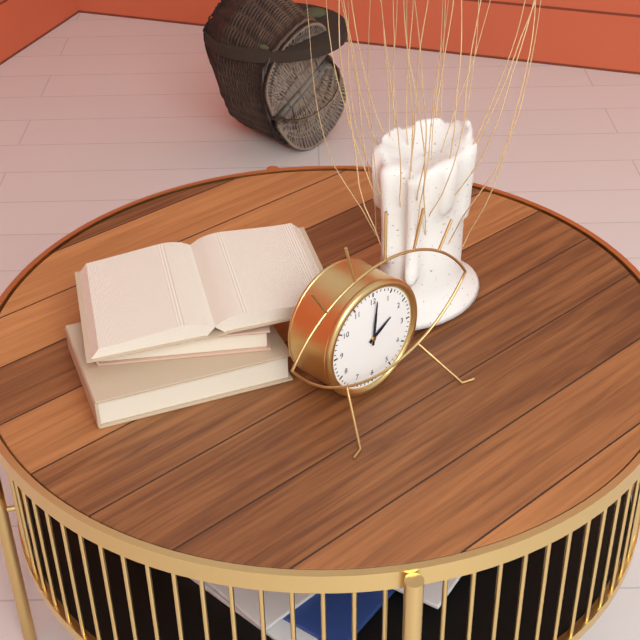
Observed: **2:01**
